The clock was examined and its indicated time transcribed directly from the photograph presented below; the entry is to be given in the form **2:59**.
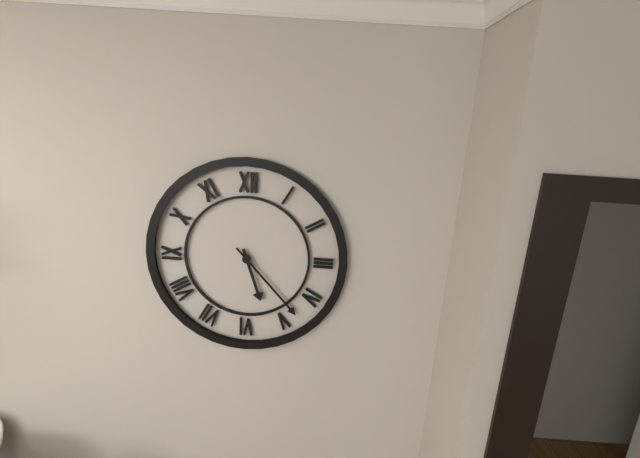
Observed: **5:23**
